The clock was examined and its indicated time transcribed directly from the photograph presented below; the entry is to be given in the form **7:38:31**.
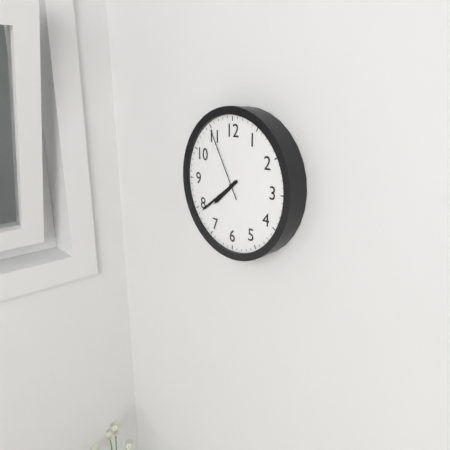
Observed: **7:39:55**
